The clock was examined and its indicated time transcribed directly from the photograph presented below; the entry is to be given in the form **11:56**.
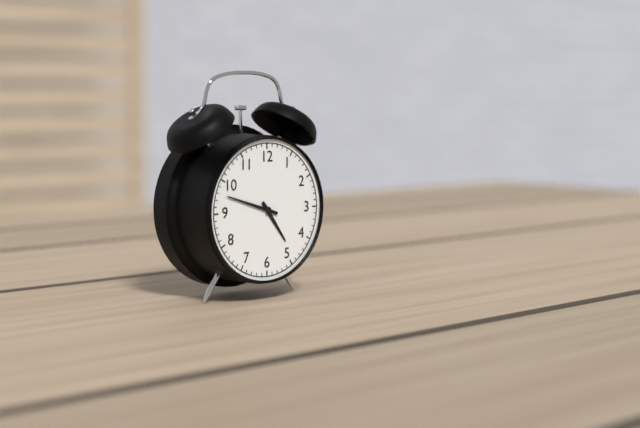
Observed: **4:48**
